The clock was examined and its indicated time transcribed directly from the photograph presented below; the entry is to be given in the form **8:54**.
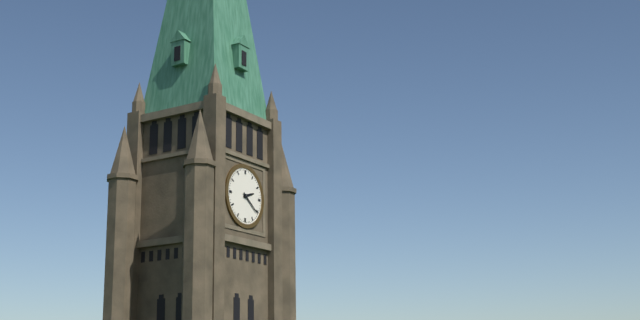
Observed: **2:21**
